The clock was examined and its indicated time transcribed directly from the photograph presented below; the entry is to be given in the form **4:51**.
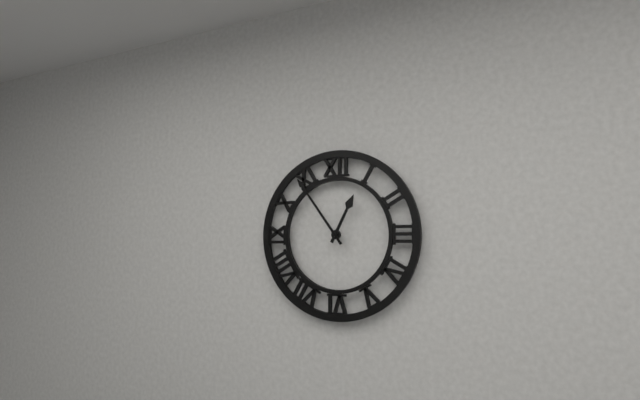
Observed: **12:54**
